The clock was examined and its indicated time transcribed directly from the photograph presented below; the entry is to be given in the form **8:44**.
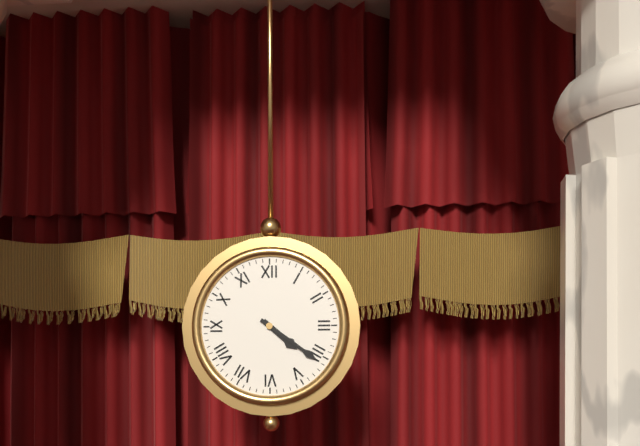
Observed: **4:21**
